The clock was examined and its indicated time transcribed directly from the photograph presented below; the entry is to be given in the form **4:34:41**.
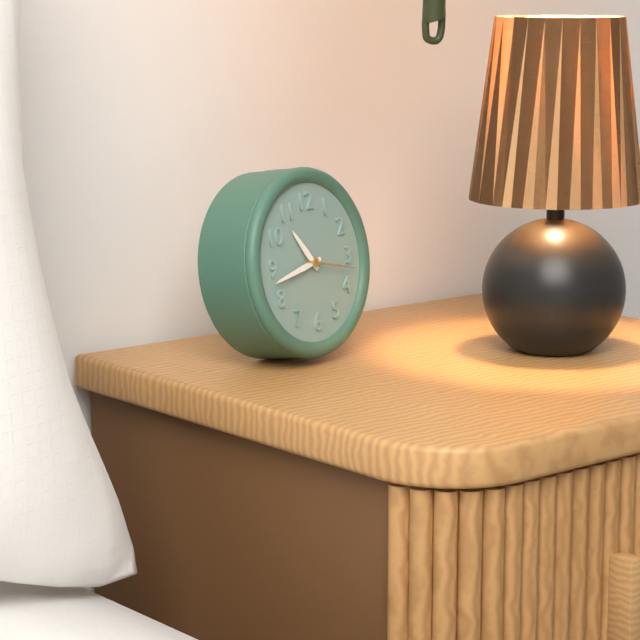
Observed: **10:43:17**
